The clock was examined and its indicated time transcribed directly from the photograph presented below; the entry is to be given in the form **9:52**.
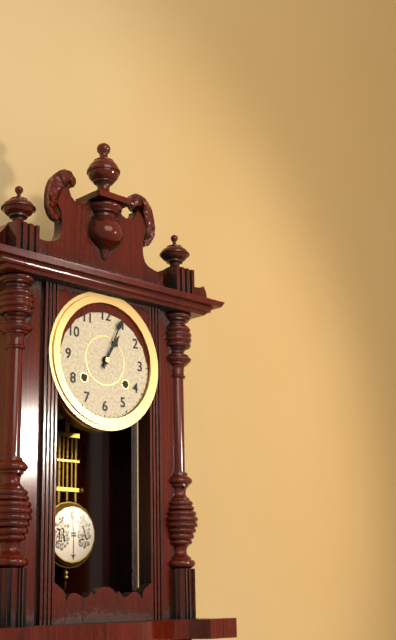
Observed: **1:04**
